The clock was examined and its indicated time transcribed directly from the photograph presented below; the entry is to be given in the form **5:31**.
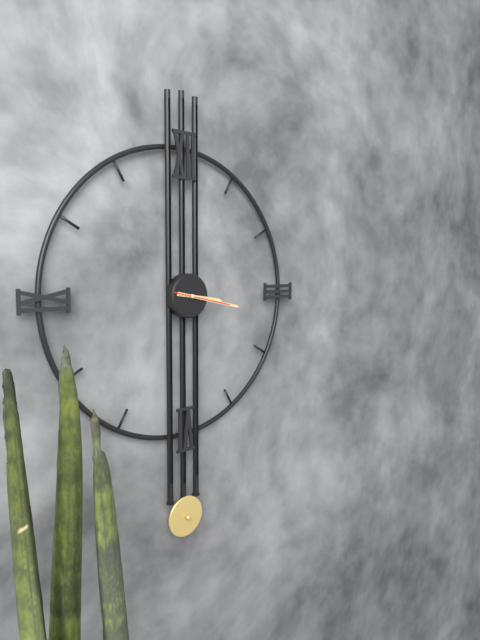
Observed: **3:17**
